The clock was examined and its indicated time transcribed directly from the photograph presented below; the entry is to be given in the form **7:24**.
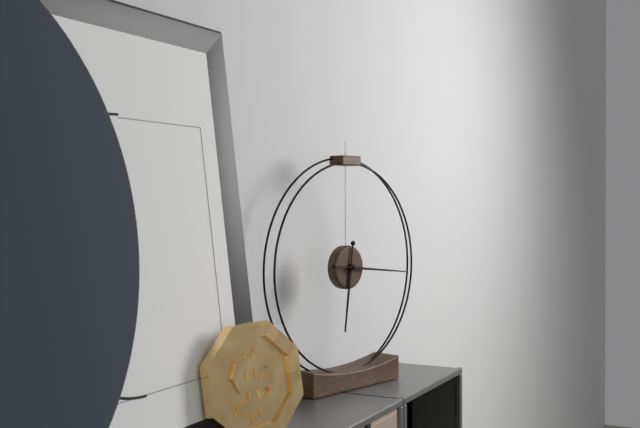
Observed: **6:16**
